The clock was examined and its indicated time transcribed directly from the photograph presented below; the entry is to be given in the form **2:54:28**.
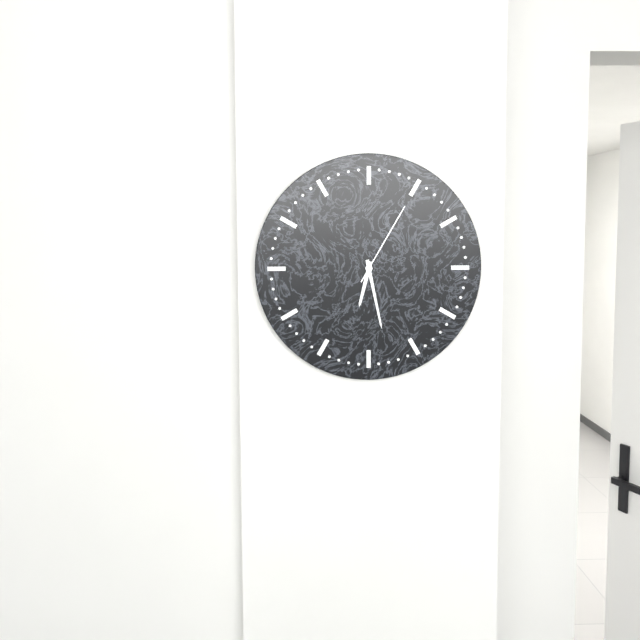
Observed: **6:28:05**
